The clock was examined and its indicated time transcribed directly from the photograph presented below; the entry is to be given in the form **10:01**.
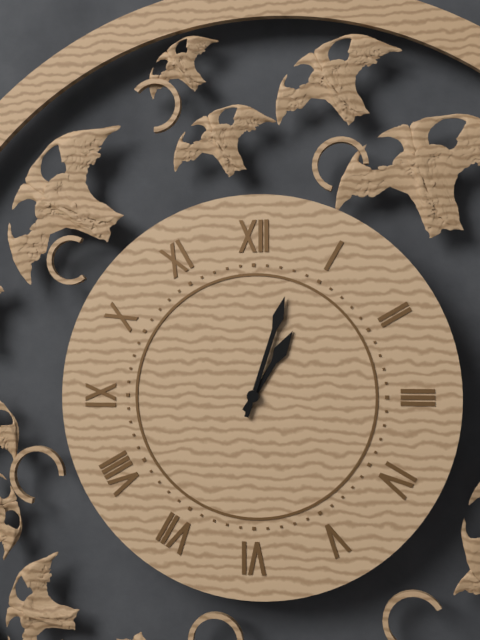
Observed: **1:03**
